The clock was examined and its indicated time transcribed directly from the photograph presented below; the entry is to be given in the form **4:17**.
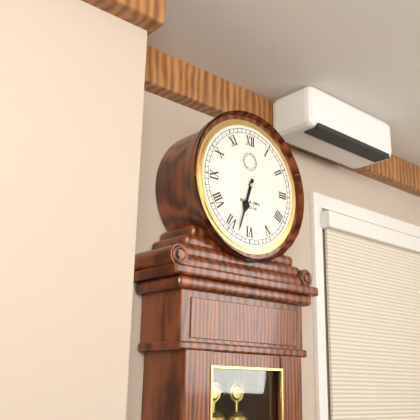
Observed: **6:33**
